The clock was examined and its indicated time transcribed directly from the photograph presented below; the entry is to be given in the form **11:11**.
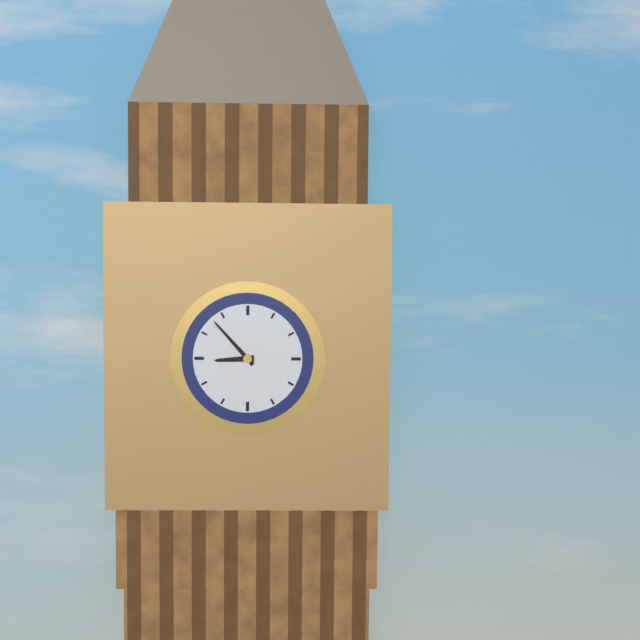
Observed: **8:53**
